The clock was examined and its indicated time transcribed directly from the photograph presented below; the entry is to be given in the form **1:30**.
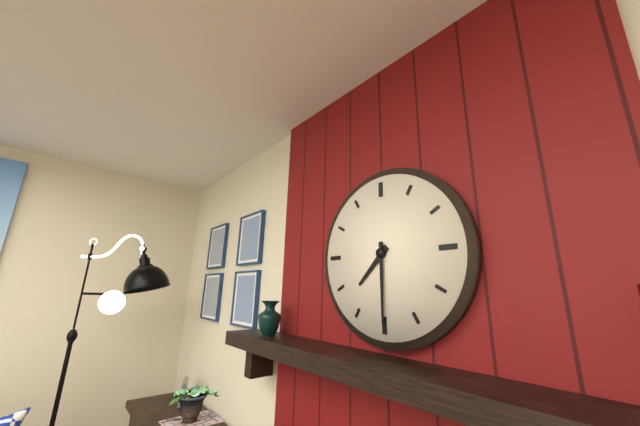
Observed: **7:30**
